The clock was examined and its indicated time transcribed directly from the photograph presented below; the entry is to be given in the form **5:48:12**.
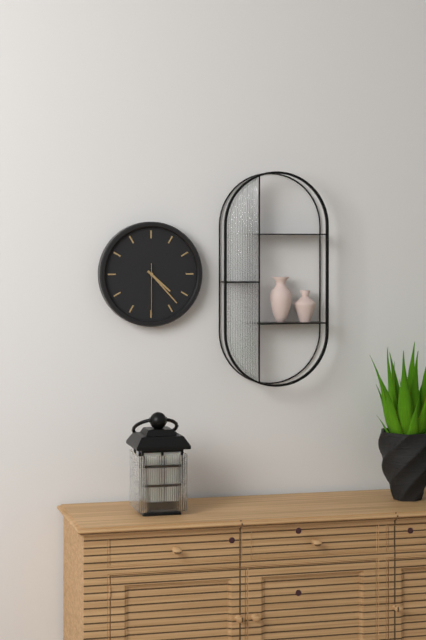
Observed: **4:23:30**
